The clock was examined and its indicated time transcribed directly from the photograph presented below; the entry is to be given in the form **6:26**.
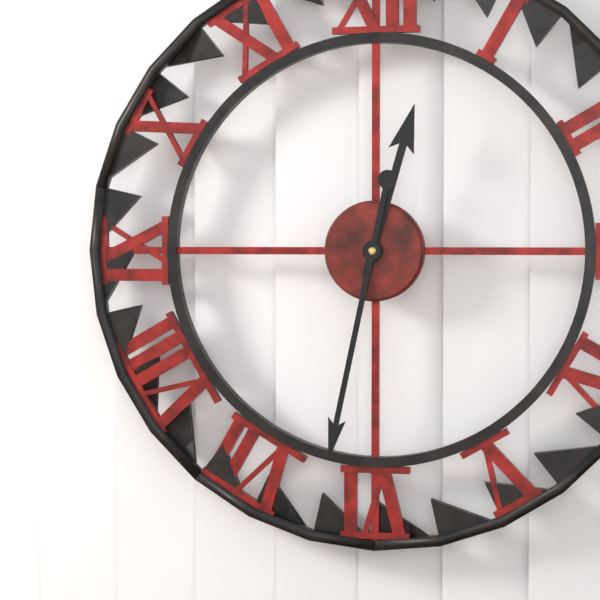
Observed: **12:32**
